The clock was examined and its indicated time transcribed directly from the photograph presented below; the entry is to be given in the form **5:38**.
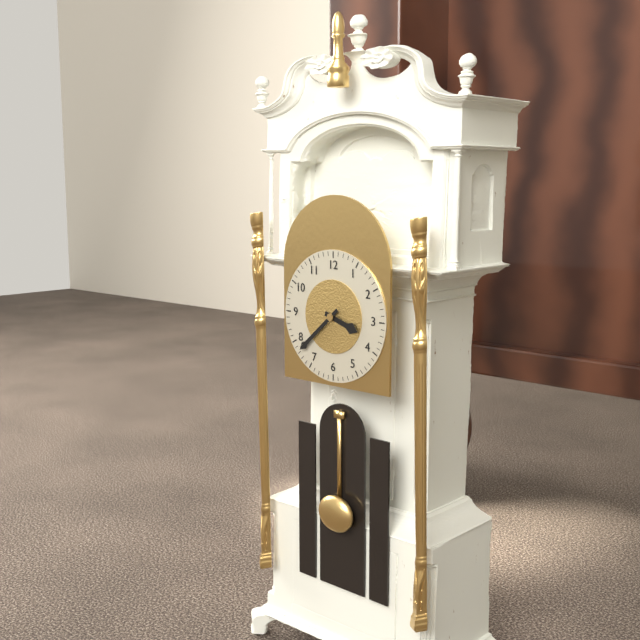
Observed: **3:38**
